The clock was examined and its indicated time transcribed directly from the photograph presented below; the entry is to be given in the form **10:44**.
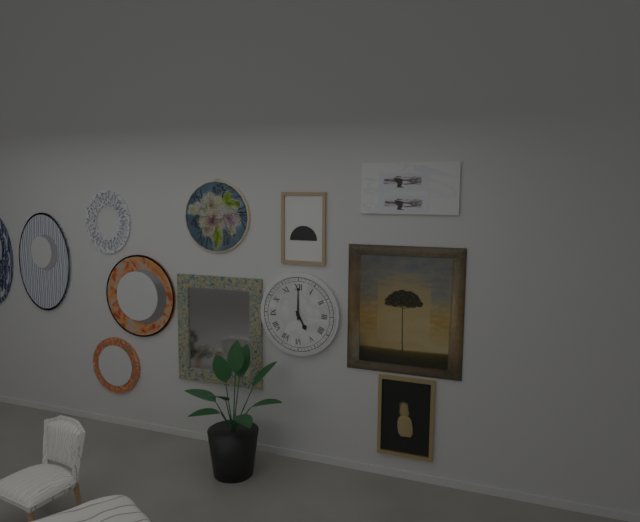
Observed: **5:00**
